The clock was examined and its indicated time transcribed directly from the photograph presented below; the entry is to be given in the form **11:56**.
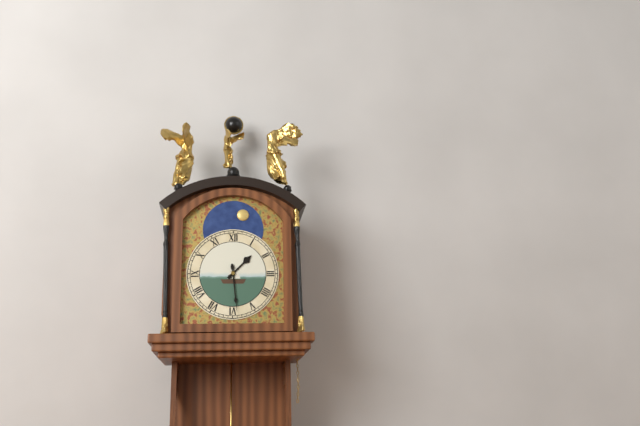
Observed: **1:29**
